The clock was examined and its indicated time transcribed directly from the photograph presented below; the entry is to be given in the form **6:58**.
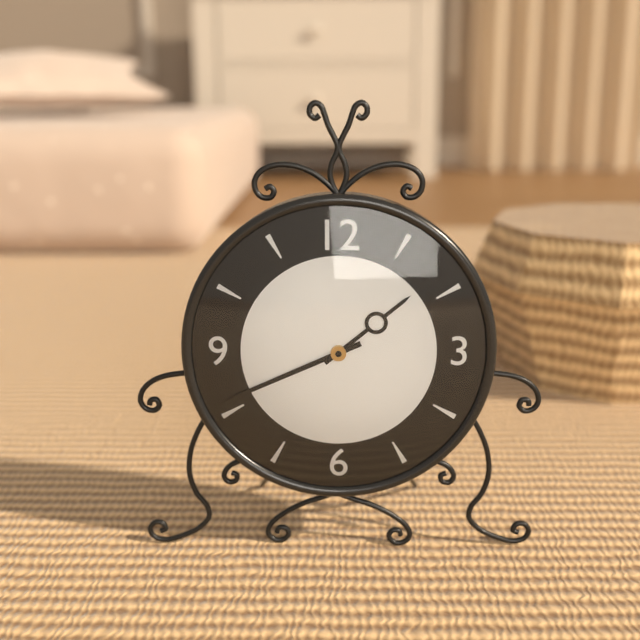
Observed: **1:41**
